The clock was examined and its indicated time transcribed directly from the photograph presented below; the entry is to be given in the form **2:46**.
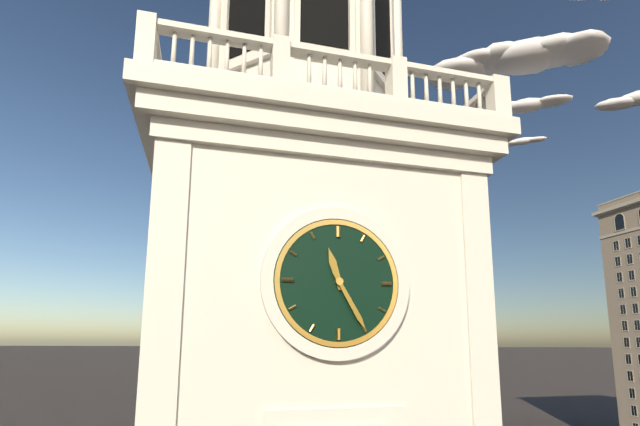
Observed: **11:25**
